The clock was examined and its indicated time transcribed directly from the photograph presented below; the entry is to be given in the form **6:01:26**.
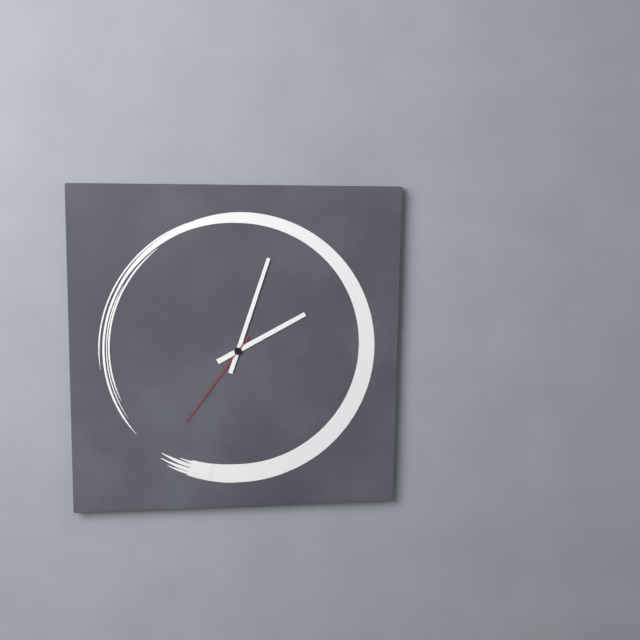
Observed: **2:03:36**
